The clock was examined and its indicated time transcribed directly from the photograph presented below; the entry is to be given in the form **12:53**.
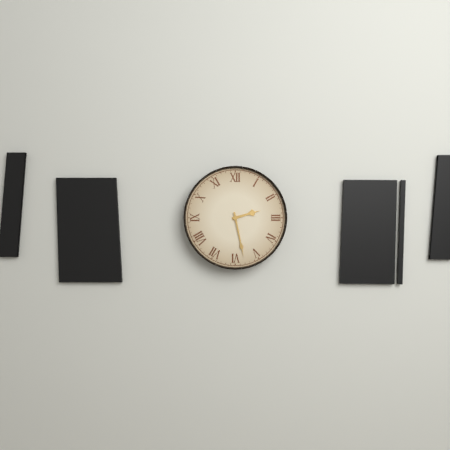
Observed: **2:28**
